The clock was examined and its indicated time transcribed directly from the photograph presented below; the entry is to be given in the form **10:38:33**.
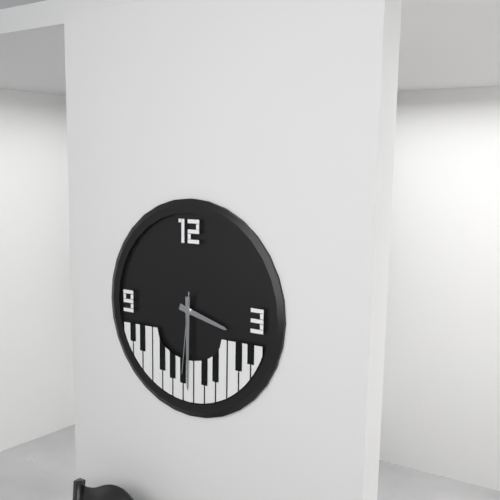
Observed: **3:30:31**
